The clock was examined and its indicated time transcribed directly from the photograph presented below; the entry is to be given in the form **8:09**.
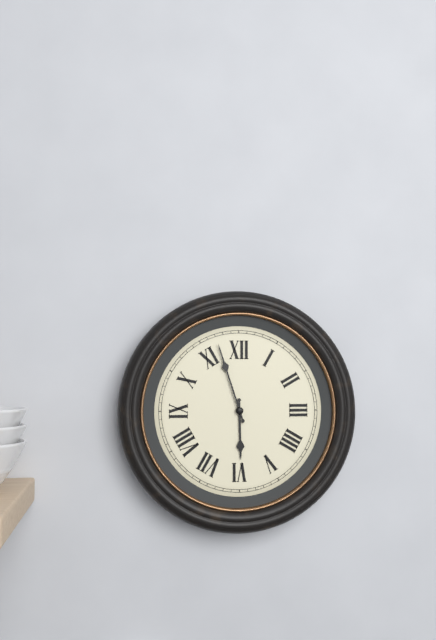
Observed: **5:57**
